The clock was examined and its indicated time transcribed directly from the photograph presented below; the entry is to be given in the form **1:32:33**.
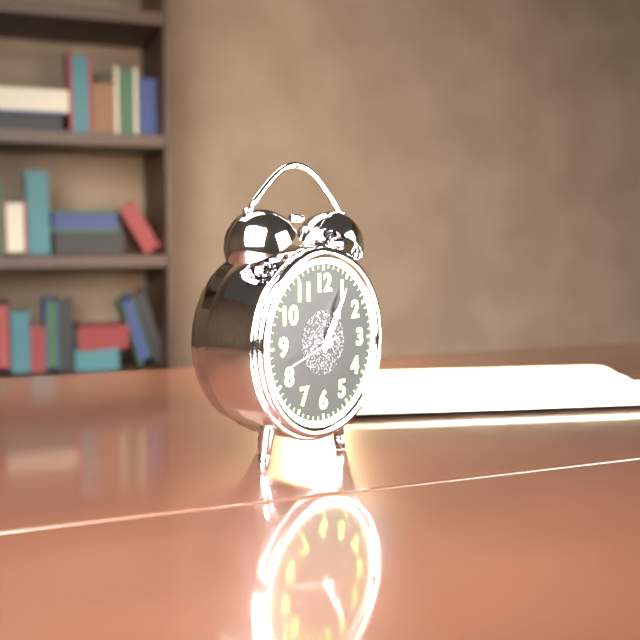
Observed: **1:05:42**
